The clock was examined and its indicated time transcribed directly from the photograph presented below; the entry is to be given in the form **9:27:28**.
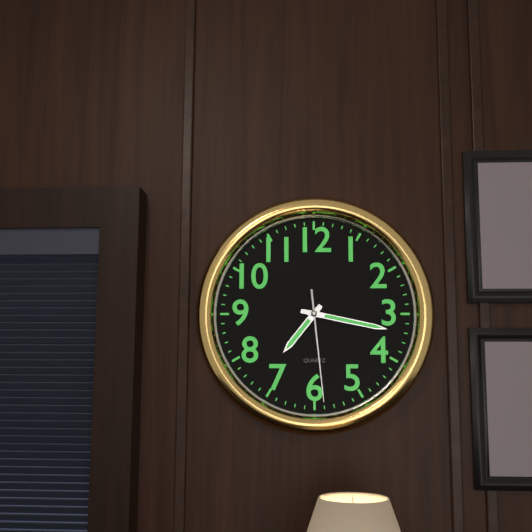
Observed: **7:17:29**
